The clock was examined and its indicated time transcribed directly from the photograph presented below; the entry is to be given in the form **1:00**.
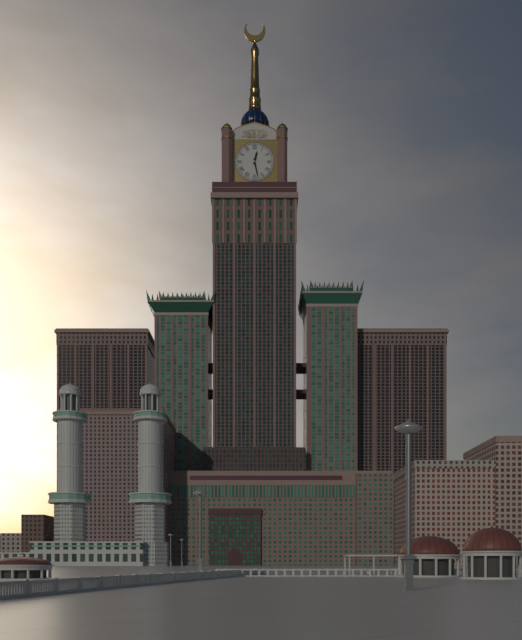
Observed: **12:28**
